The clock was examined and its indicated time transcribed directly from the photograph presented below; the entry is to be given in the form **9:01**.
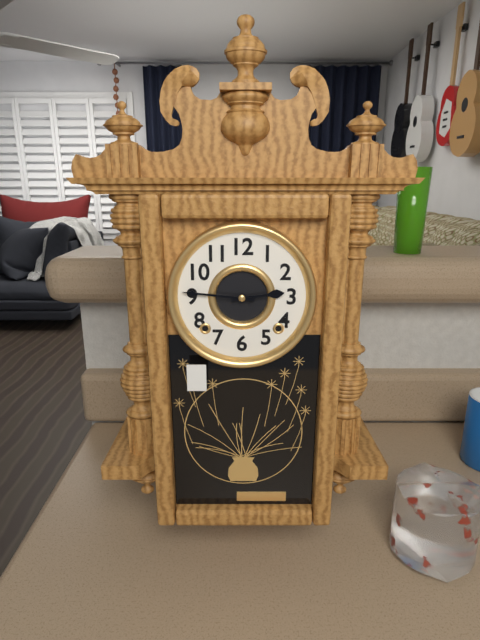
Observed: **2:46**
